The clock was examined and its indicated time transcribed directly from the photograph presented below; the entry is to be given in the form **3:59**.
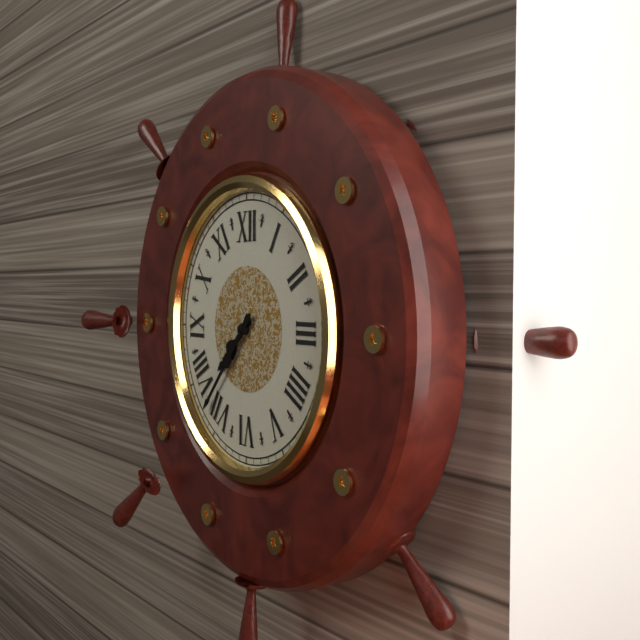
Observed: **7:37**
